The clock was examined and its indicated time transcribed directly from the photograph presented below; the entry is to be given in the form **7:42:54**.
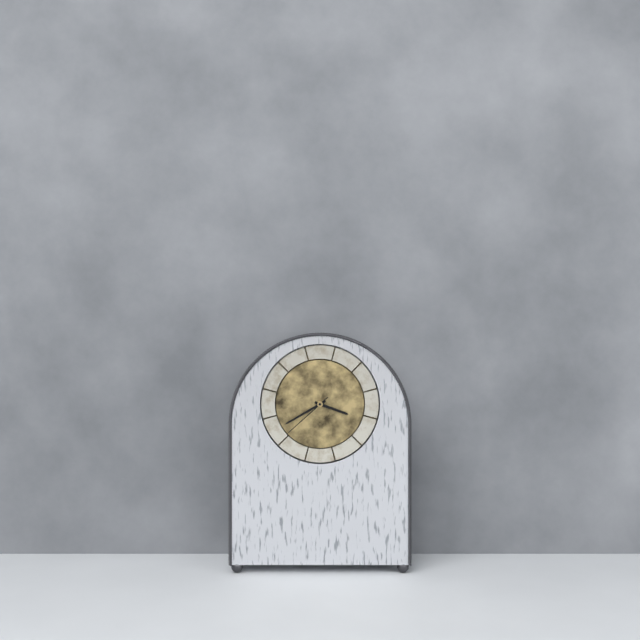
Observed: **3:40:38**
